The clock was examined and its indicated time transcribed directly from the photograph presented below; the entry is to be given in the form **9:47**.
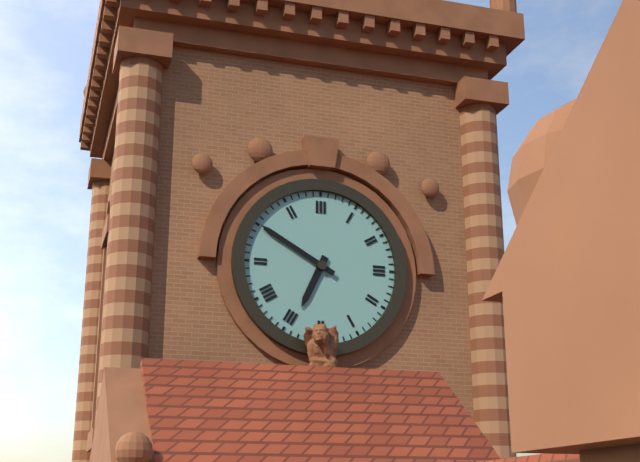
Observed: **6:50**
